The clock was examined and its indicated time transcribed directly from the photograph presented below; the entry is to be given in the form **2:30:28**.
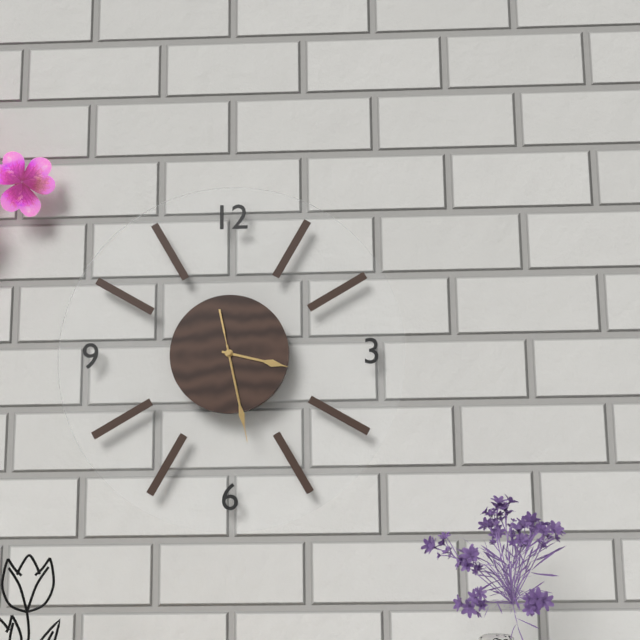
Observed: **3:28:28**
